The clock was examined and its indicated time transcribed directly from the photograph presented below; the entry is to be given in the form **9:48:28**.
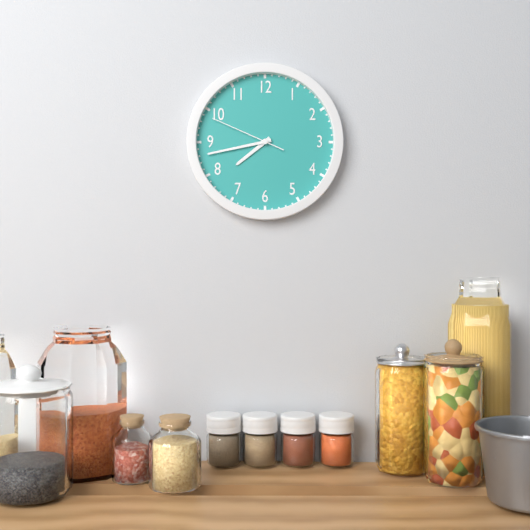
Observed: **7:43:49**
